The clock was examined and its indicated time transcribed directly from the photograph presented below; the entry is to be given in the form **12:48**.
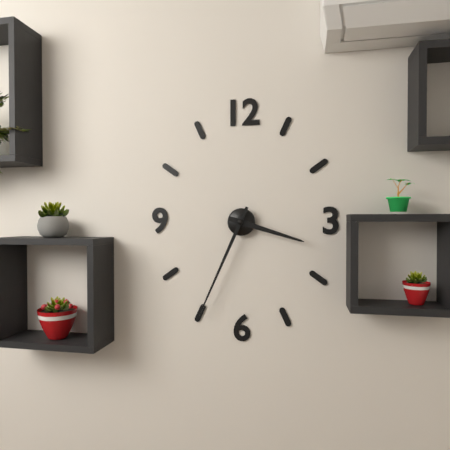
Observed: **3:34**
